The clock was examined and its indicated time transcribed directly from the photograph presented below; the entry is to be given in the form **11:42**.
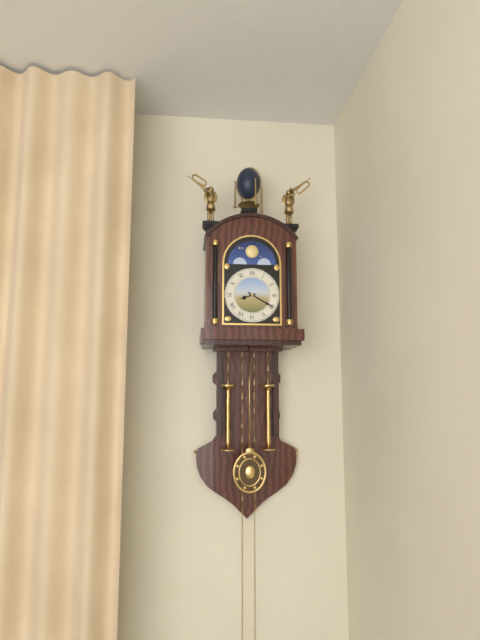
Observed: **8:20**
